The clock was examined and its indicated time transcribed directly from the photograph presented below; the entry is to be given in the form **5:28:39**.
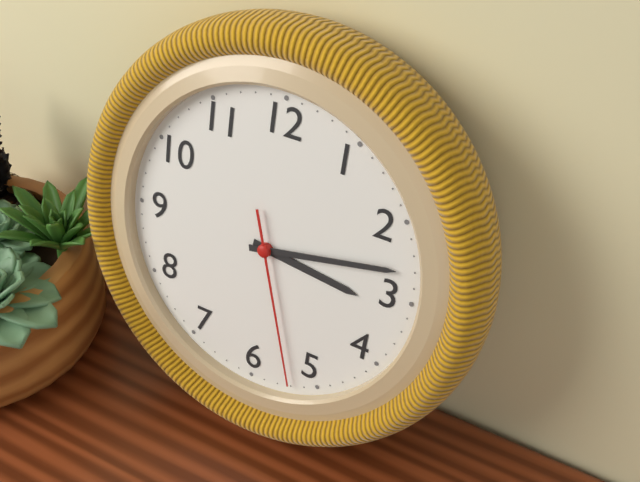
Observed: **3:13:27**
